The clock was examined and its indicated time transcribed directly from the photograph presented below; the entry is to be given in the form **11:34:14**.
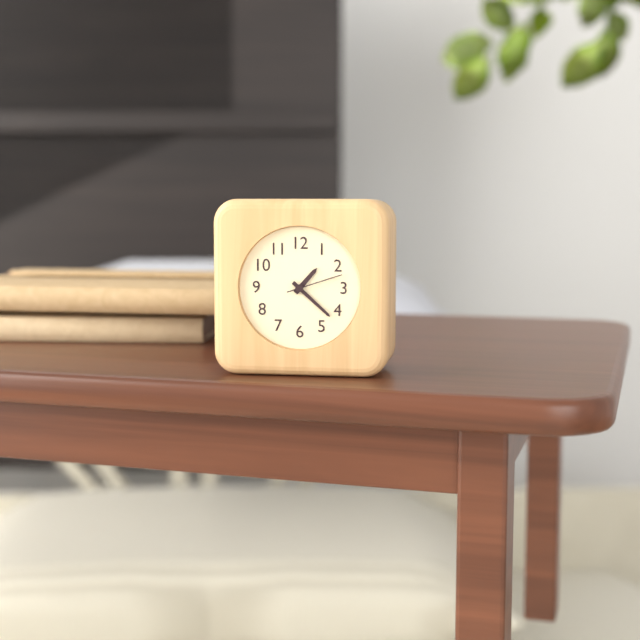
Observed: **1:22:12**
